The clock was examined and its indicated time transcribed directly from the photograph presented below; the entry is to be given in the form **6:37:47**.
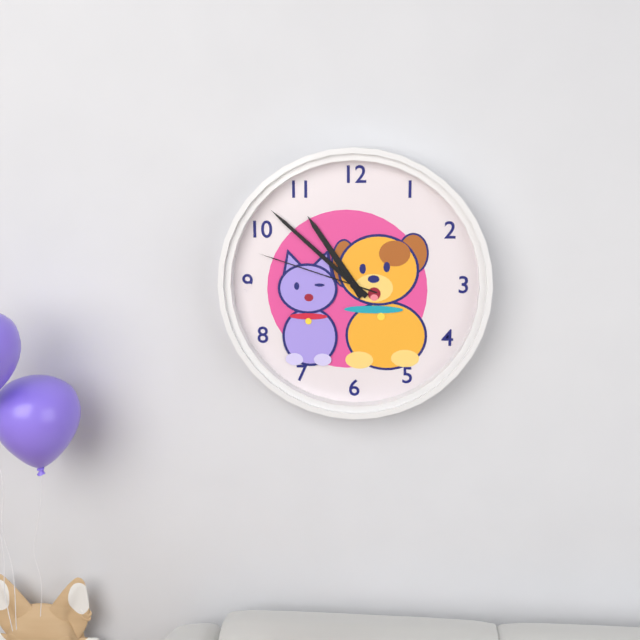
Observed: **10:52:48**
